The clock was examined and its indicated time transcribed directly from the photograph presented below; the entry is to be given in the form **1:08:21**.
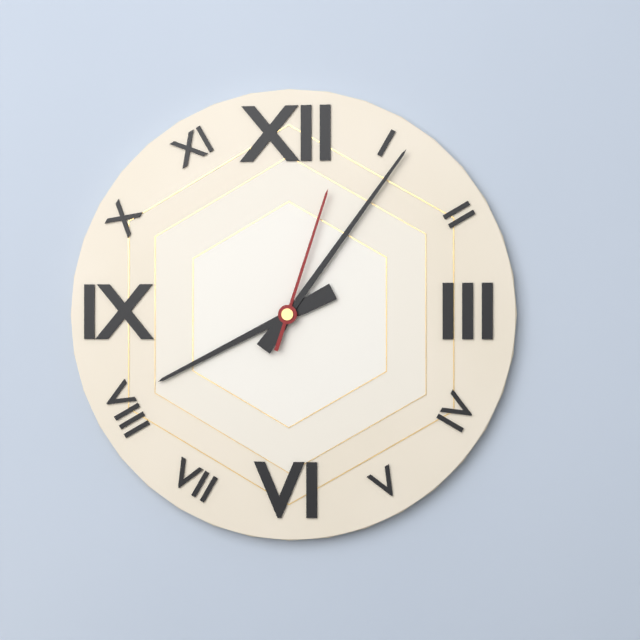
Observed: **8:06:03**
